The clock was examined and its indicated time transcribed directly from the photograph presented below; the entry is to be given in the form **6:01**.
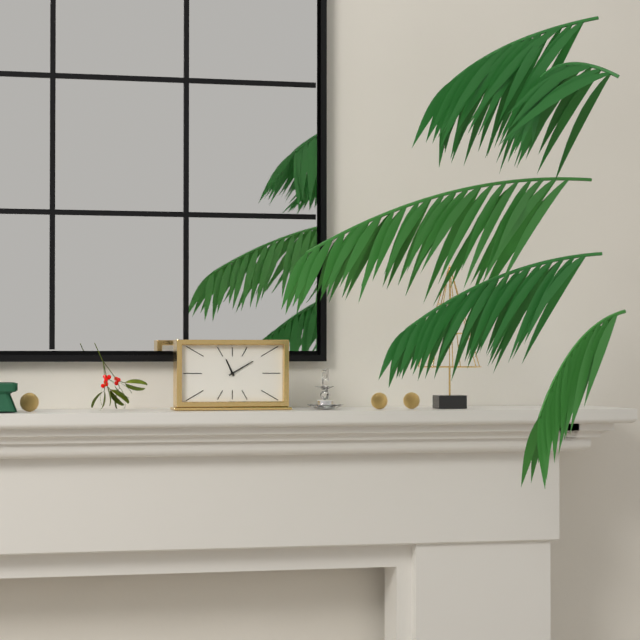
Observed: **11:10**
